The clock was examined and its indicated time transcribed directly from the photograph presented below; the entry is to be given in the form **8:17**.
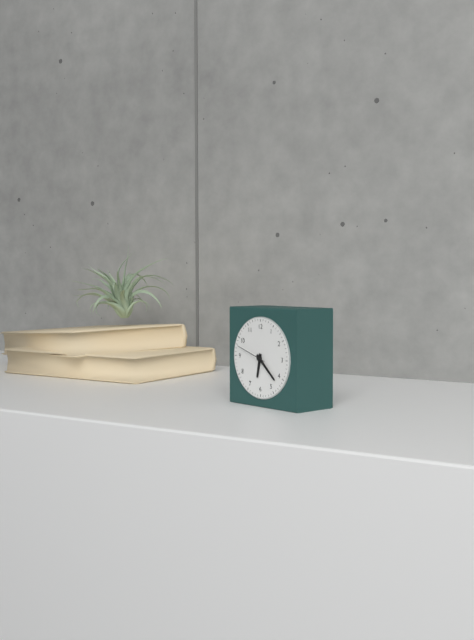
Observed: **6:22**
